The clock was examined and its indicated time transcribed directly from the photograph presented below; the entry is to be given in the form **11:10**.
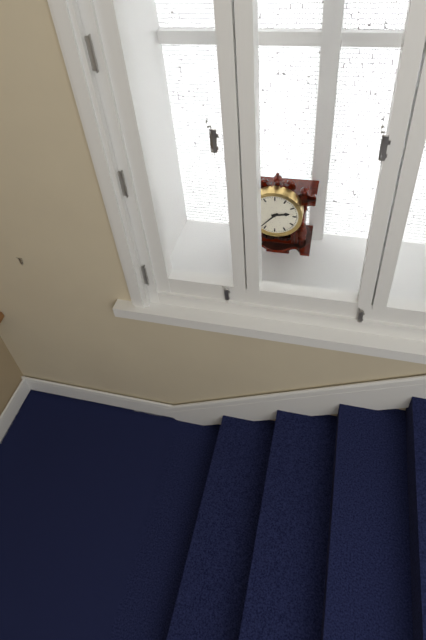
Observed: **2:37**
